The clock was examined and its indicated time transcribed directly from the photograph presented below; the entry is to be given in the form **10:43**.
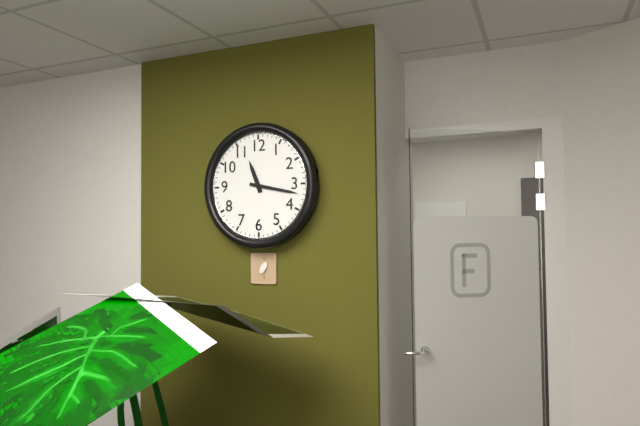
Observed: **11:17**
